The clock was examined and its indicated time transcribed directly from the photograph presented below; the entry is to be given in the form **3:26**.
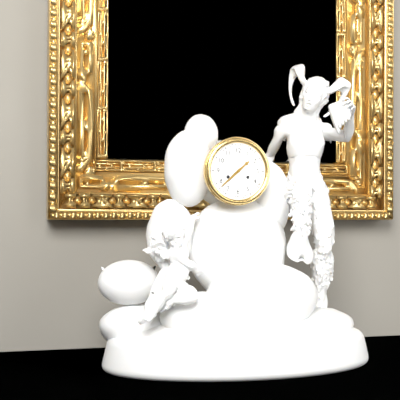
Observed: **1:38**
